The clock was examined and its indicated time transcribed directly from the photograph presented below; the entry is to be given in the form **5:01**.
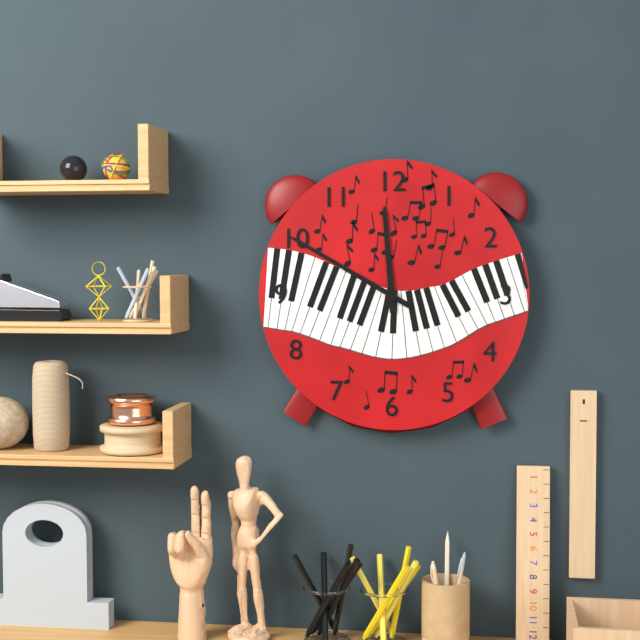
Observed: **11:50**
